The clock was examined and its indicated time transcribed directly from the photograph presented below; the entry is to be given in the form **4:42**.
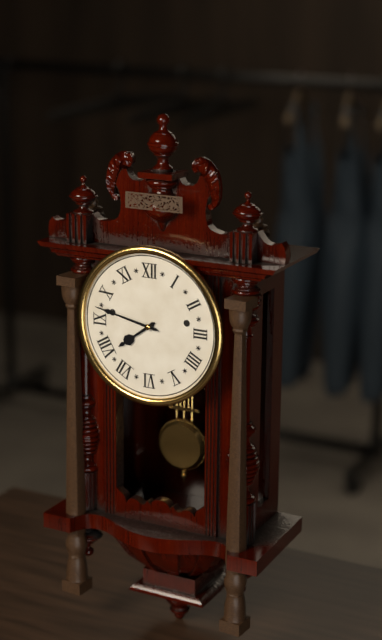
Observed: **7:47**
